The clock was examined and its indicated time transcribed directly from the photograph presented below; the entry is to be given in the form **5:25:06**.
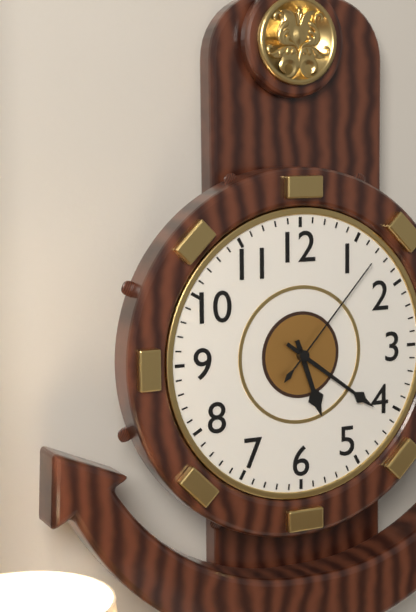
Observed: **5:21:07**
